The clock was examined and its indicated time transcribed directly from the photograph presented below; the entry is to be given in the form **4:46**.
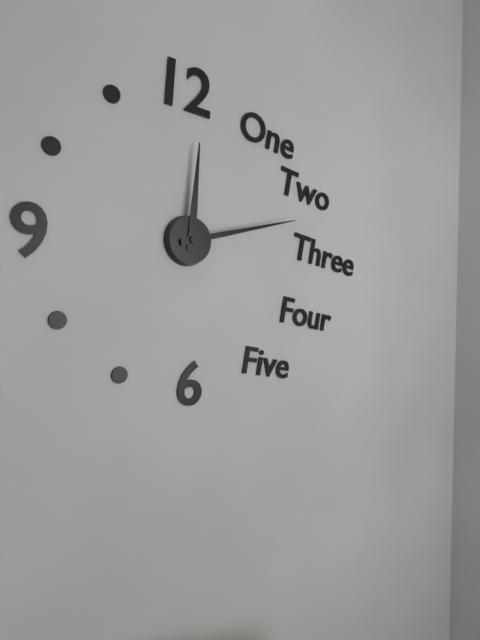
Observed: **12:13**
